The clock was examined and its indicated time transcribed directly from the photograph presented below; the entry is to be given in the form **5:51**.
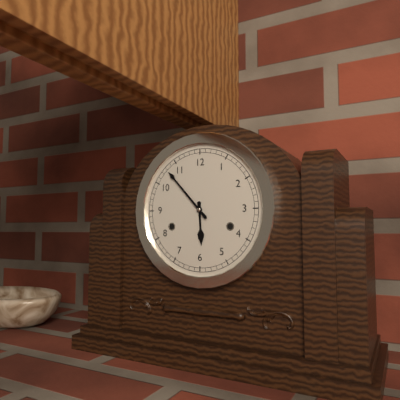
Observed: **5:53**
